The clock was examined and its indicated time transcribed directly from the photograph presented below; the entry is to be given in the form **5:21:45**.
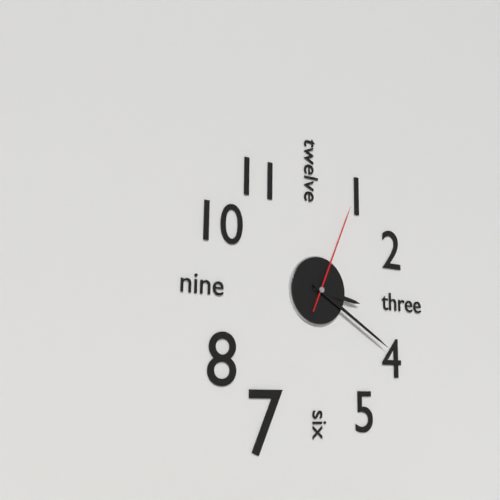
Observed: **3:20:04**
